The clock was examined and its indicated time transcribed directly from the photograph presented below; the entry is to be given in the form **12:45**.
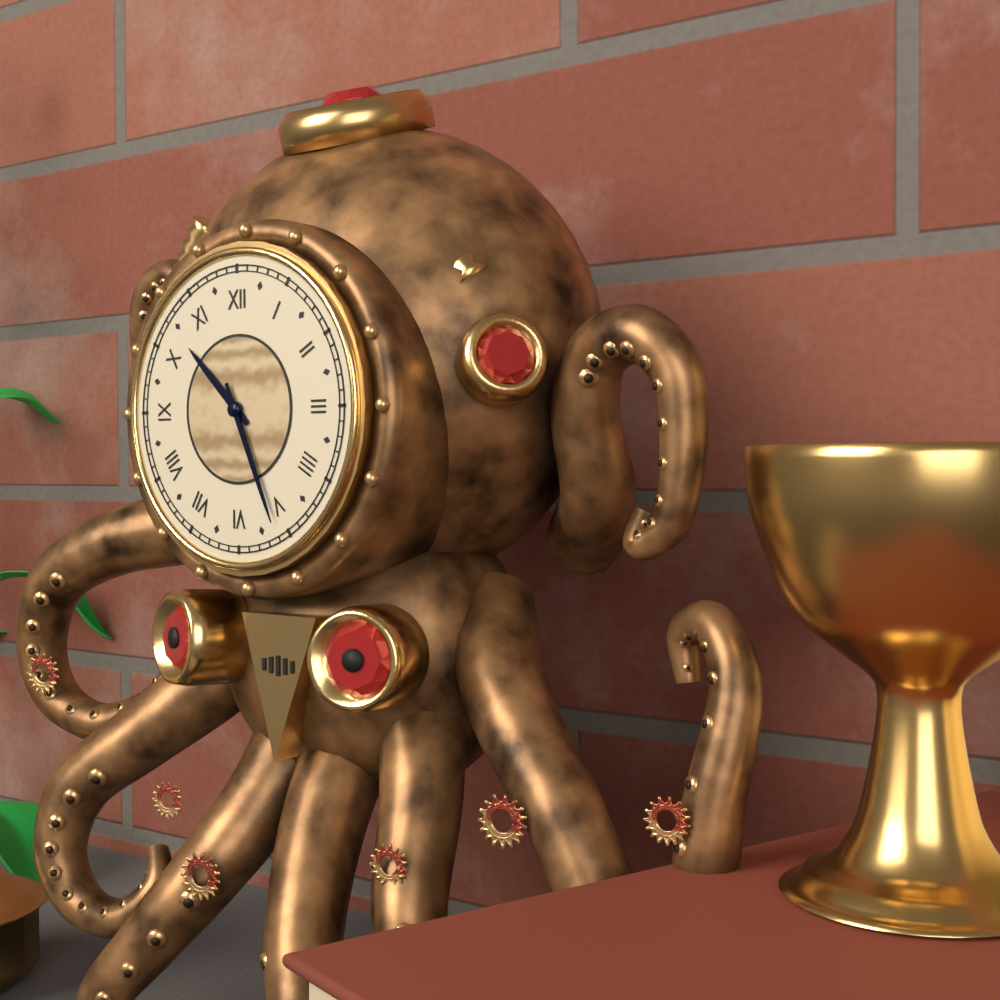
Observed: **10:26**
